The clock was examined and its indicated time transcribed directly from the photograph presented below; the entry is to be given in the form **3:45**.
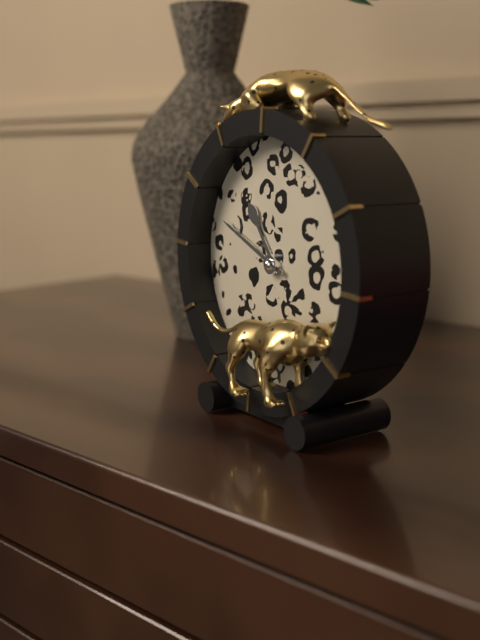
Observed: **10:49**
